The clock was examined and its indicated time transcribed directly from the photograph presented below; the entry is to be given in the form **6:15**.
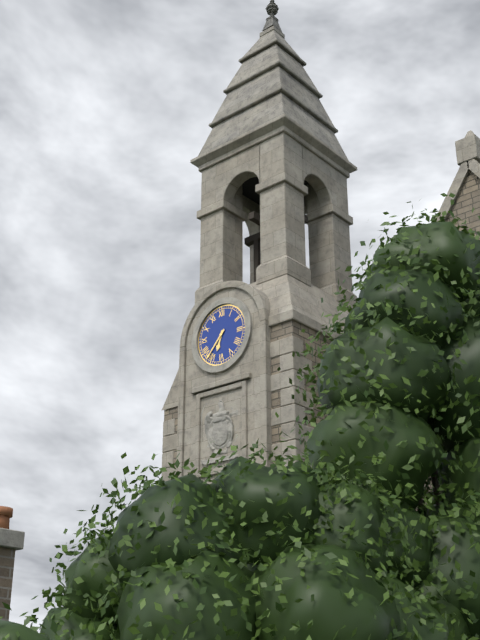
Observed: **6:37**
